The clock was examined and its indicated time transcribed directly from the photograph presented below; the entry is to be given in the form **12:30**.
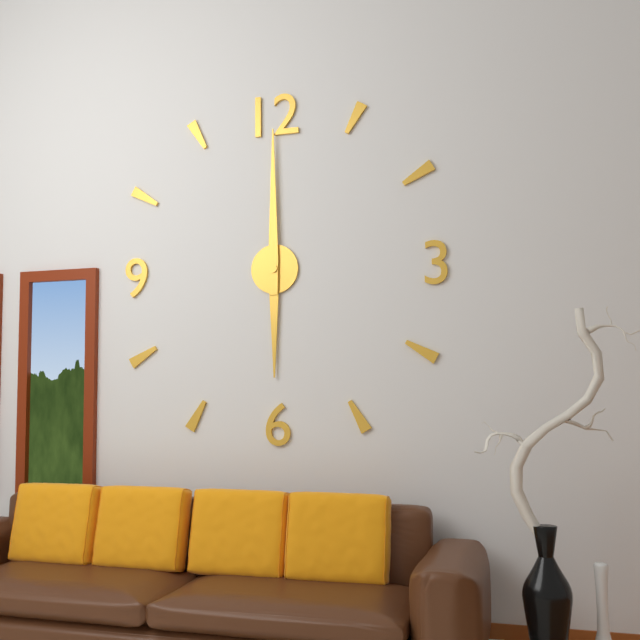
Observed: **6:00**
